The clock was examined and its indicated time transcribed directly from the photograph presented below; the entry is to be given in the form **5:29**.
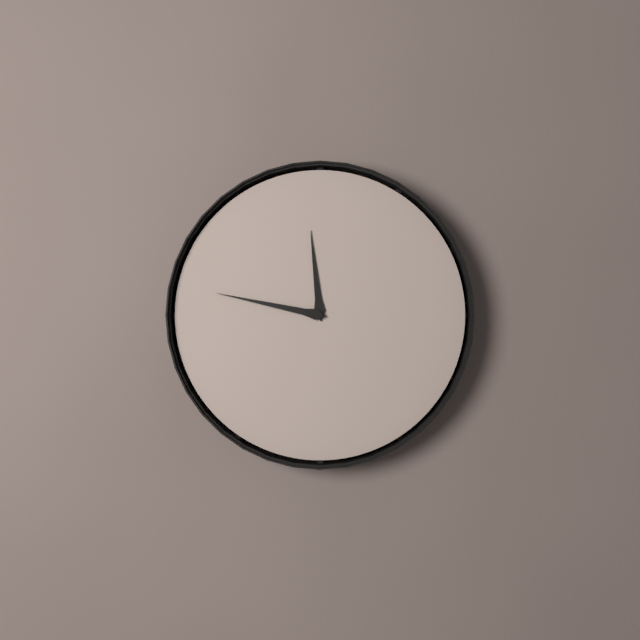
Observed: **11:47**
